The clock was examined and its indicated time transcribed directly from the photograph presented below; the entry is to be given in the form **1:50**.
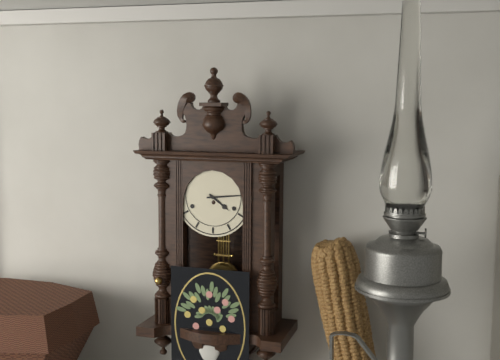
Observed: **4:14**
